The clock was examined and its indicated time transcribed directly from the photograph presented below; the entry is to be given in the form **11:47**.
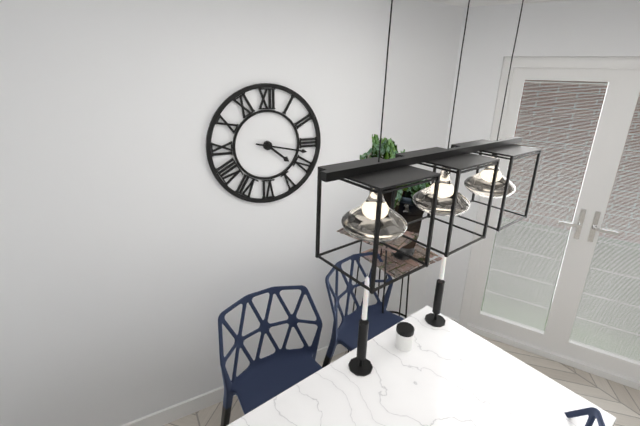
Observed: **4:17**
